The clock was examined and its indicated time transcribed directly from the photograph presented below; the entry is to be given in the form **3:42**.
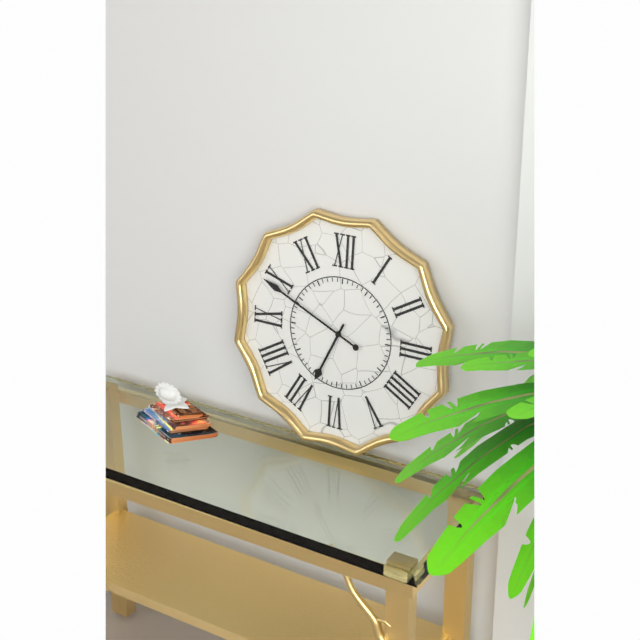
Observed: **6:49**
